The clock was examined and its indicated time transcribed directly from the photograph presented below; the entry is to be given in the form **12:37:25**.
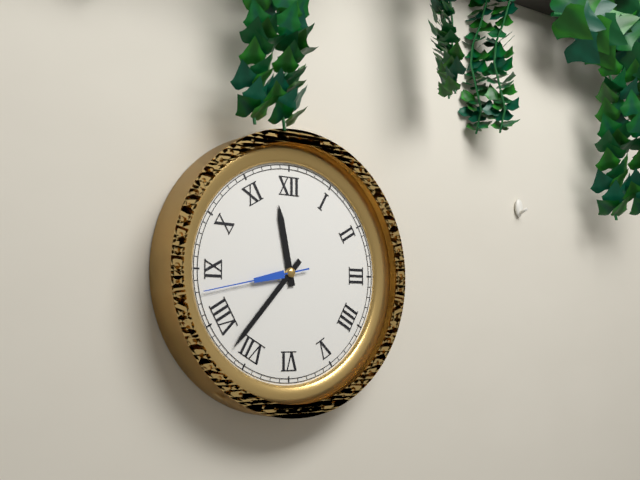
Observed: **11:37:43**
